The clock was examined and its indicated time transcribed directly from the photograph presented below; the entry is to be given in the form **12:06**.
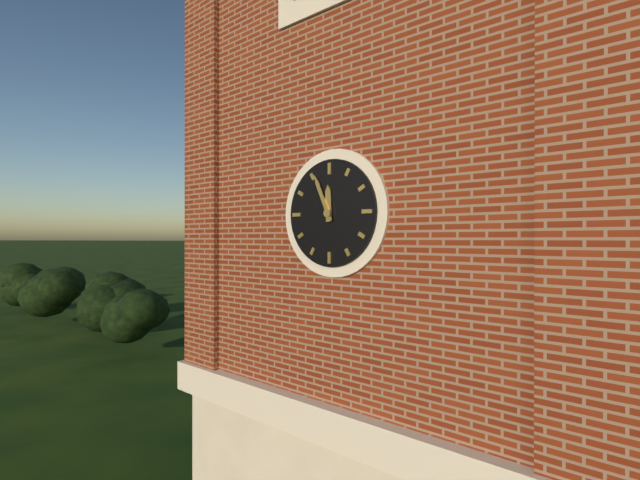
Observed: **11:56**
